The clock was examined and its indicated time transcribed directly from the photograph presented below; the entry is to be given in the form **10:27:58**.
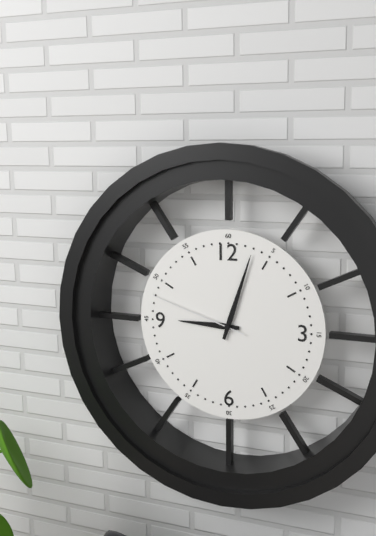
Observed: **9:03:48**
